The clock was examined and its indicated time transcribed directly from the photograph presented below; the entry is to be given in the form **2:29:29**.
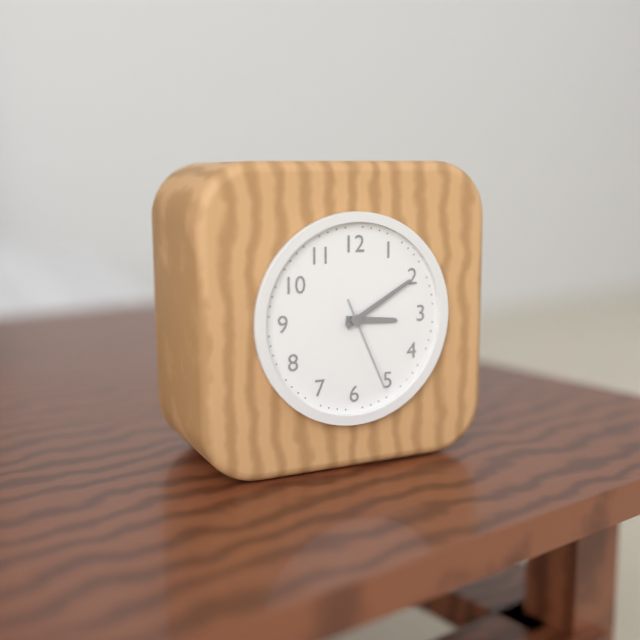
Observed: **3:10:26**
